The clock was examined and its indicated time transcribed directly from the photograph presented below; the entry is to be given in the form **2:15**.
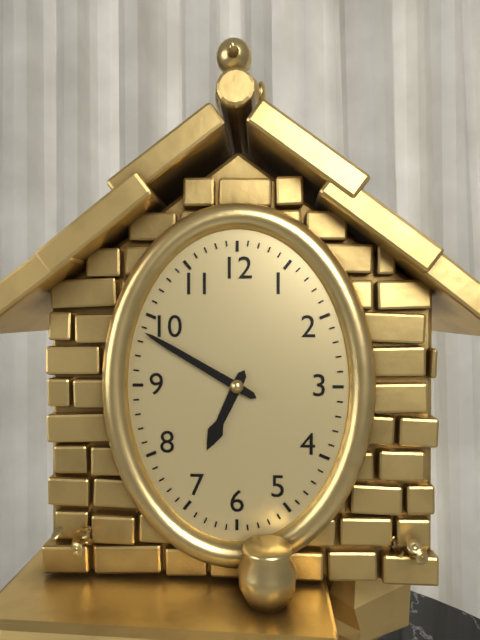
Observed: **6:50**
